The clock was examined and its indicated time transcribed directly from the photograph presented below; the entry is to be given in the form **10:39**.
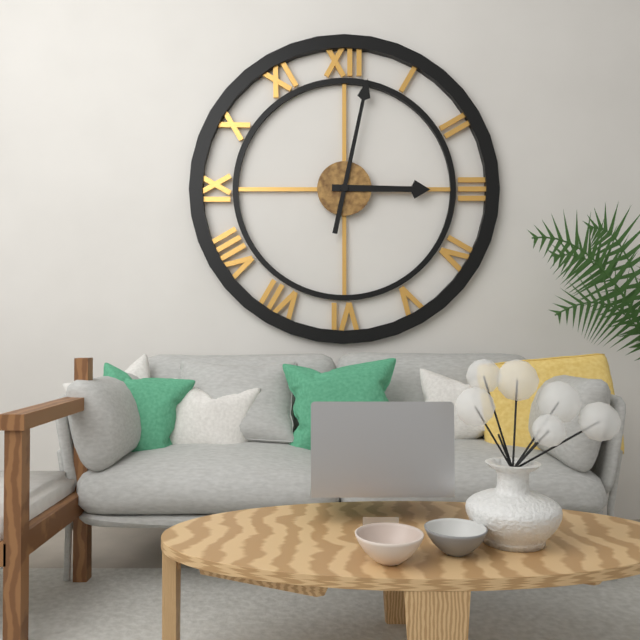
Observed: **3:02**
